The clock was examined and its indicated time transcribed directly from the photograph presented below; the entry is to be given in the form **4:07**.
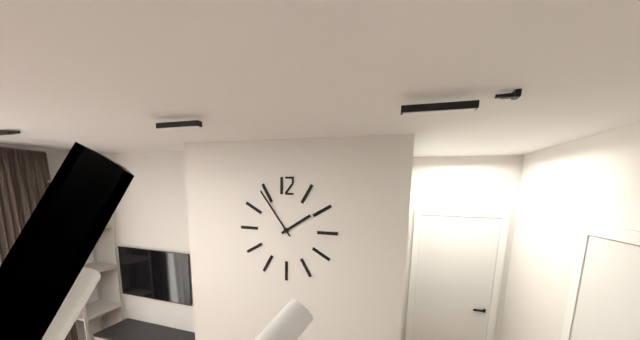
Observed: **1:54**
